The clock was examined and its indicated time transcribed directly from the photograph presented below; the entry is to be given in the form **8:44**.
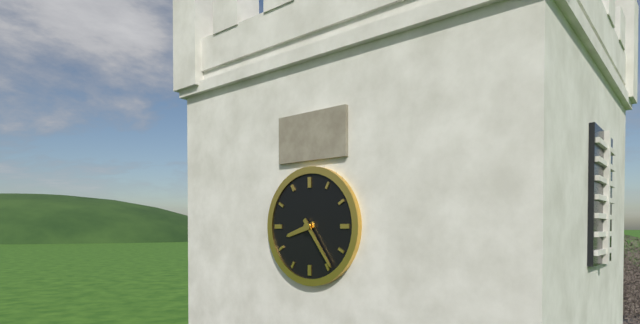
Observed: **8:24**
